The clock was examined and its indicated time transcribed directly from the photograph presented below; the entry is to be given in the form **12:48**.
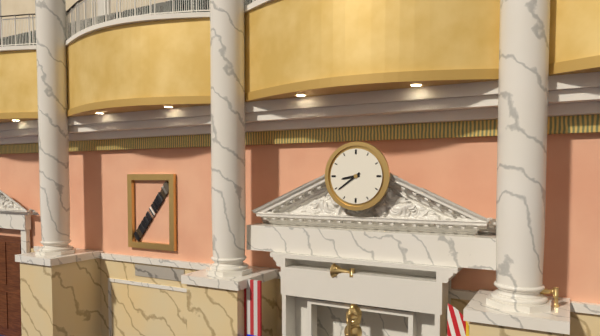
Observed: **8:39**
